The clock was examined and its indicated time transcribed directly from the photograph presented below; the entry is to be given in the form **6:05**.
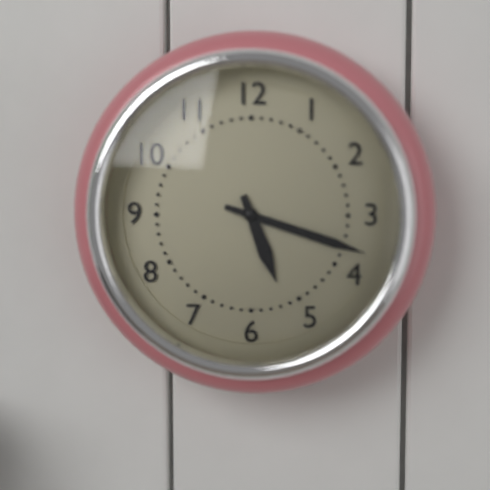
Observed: **5:18**
